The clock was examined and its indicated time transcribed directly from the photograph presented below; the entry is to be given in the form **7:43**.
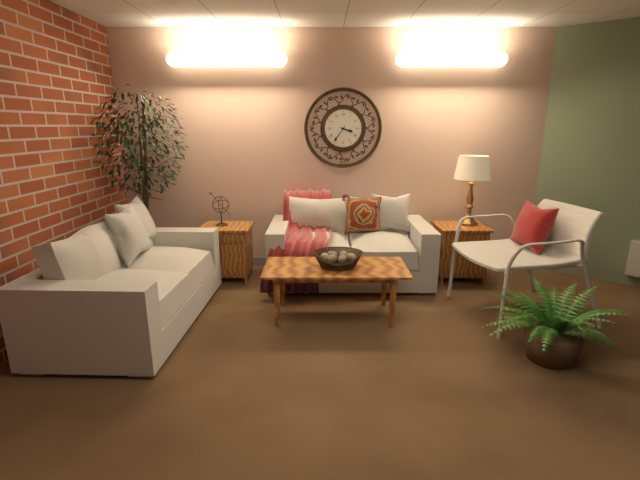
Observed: **3:36**
